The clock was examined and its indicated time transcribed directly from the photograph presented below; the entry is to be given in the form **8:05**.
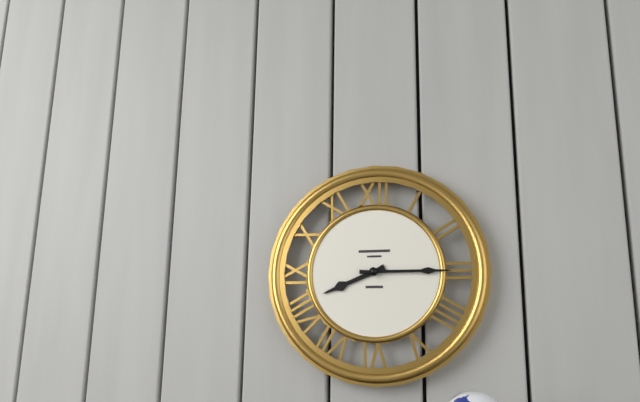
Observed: **8:15**
